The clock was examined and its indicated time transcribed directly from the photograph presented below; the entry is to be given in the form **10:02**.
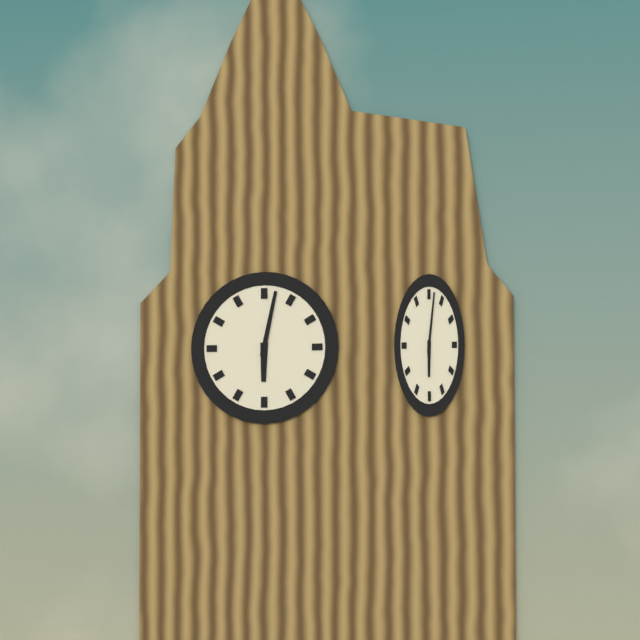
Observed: **6:02**
